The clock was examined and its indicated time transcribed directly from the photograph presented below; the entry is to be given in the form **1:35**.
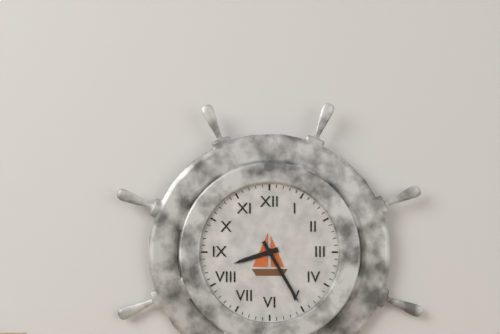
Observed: **8:25**
